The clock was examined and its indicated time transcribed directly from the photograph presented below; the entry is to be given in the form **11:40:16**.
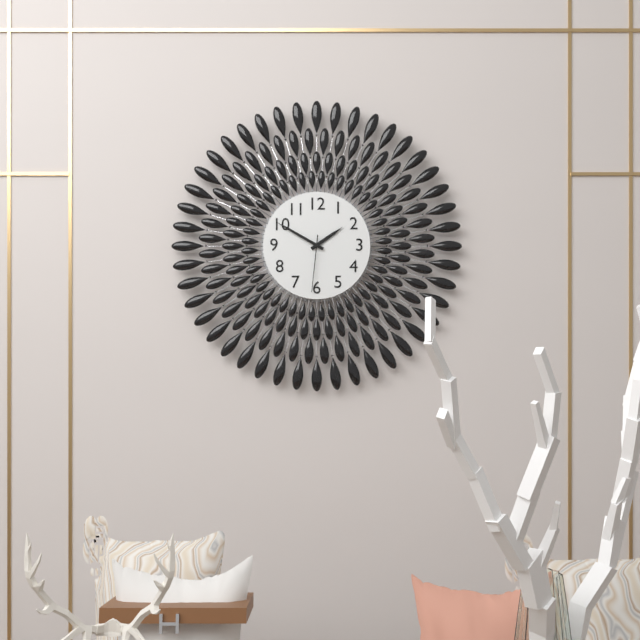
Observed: **1:50:31**
